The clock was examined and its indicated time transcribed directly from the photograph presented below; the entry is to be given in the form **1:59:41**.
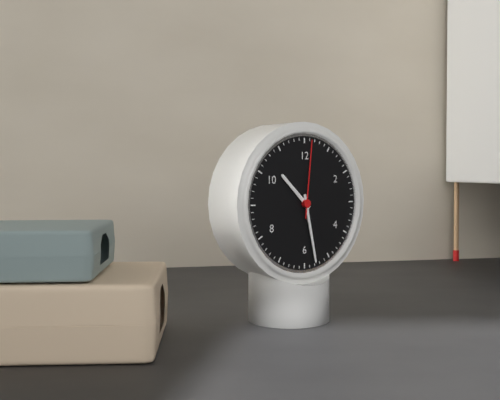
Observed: **10:28:01**
